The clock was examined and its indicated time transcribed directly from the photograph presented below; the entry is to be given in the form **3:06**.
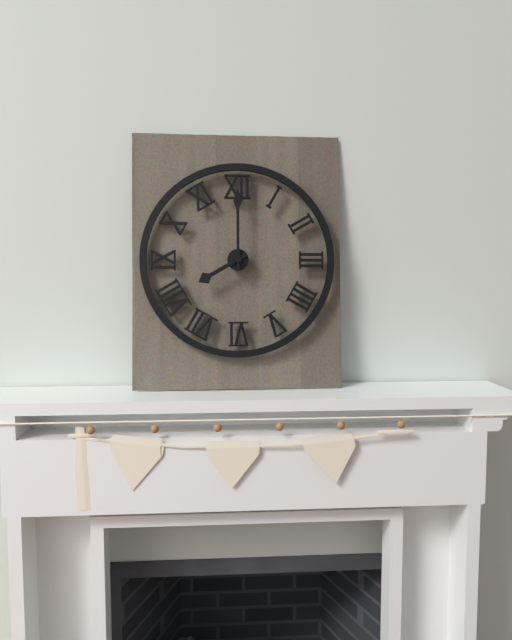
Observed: **8:00**
